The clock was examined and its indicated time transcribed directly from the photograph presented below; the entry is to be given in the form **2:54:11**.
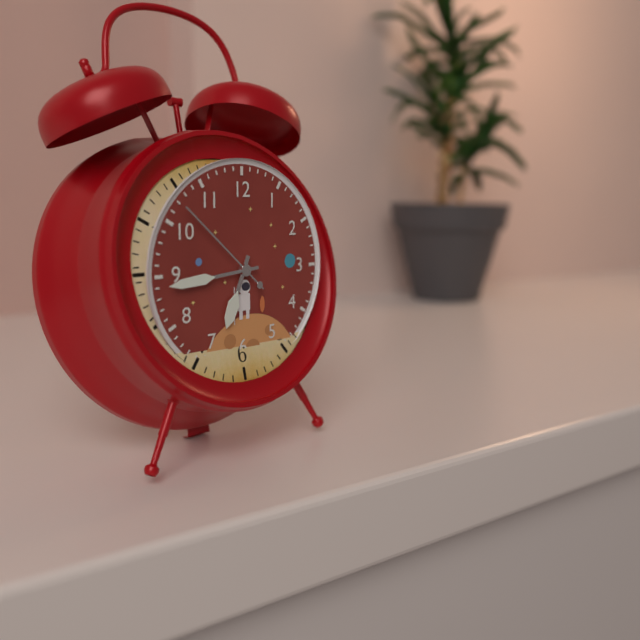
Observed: **6:44:52**
